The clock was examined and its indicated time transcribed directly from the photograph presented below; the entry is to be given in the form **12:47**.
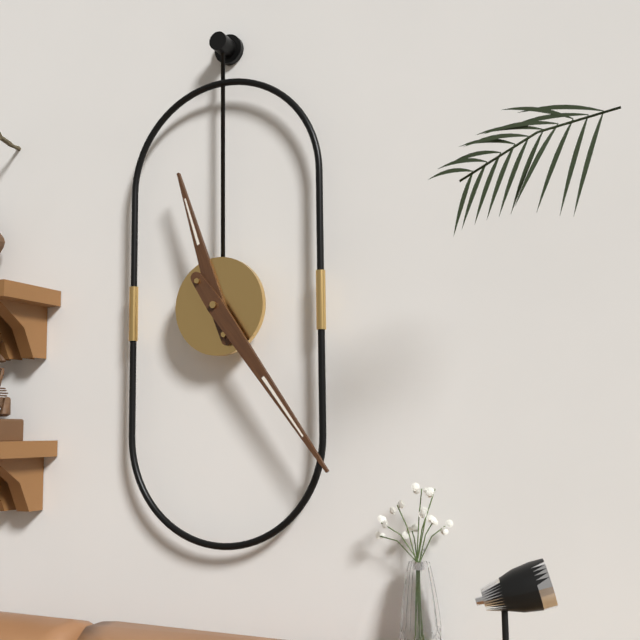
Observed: **11:24**
